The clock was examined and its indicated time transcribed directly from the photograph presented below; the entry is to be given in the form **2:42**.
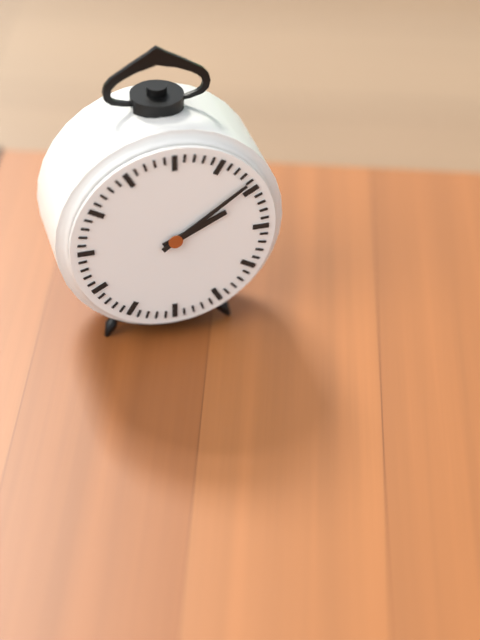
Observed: **2:09**
